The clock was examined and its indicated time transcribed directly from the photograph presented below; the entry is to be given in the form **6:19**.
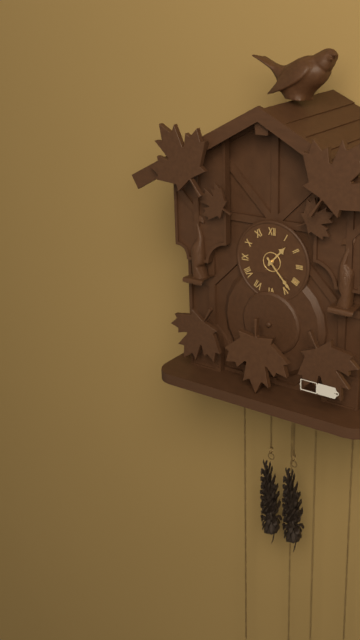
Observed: **1:23**
